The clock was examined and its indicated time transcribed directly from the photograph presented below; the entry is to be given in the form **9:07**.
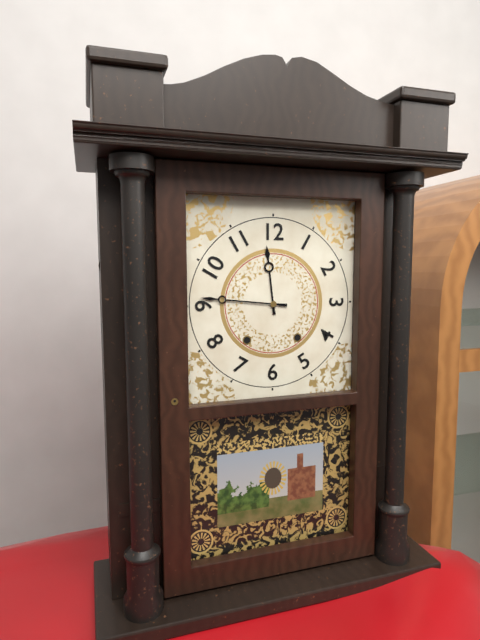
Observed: **11:46**
